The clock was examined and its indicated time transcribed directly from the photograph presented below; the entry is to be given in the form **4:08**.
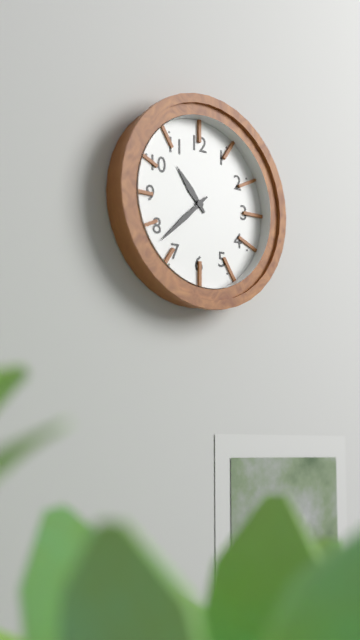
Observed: **10:38**
